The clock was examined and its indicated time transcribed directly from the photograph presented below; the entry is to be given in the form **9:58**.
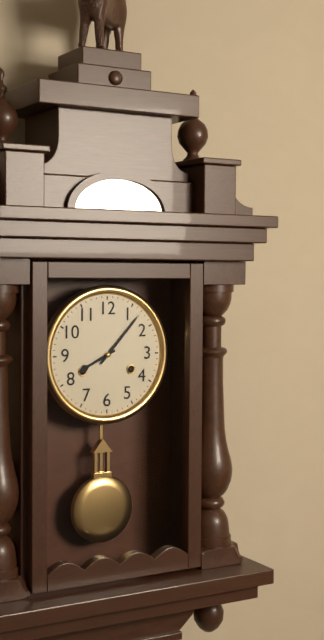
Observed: **8:07**
